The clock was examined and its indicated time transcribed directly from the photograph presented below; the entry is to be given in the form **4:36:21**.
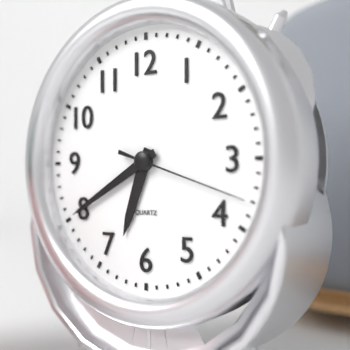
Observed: **6:40:18**
